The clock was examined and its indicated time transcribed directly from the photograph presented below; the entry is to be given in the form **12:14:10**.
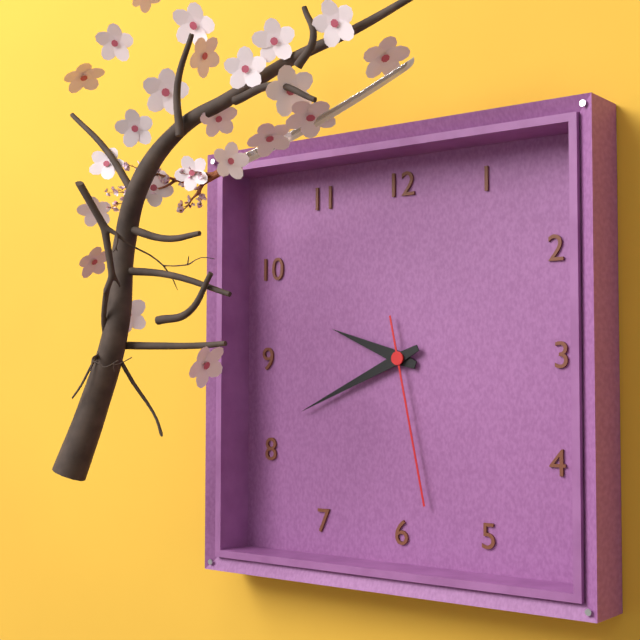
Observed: **9:41:28**
